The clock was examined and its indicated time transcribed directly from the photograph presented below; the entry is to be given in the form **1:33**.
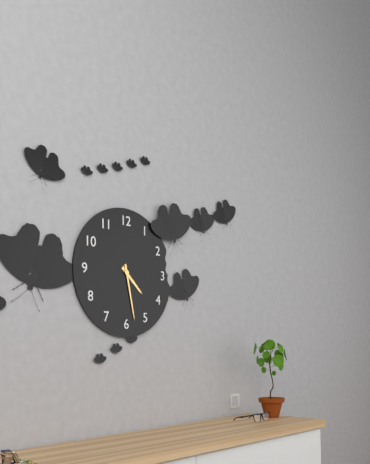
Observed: **4:28**
